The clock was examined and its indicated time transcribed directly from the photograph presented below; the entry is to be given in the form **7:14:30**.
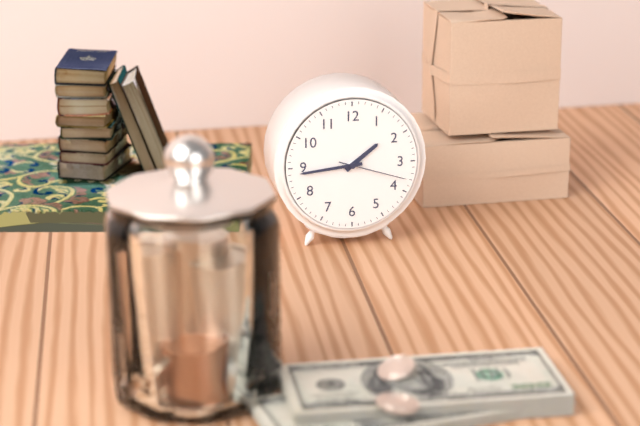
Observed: **1:44:18**
